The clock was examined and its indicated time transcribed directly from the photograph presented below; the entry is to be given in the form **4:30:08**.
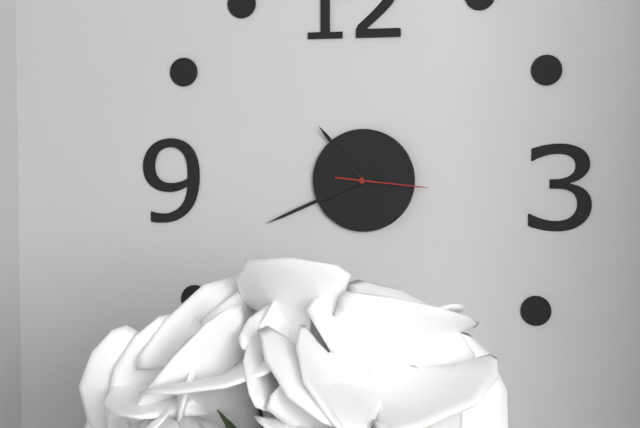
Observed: **10:41:16**
